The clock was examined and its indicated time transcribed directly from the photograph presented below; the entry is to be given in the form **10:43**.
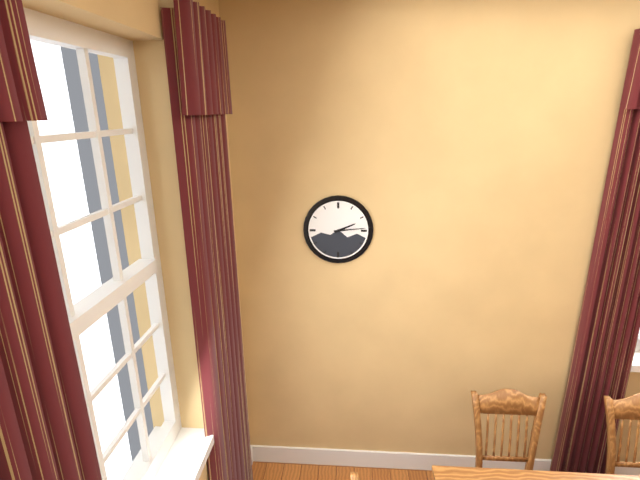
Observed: **2:14**
